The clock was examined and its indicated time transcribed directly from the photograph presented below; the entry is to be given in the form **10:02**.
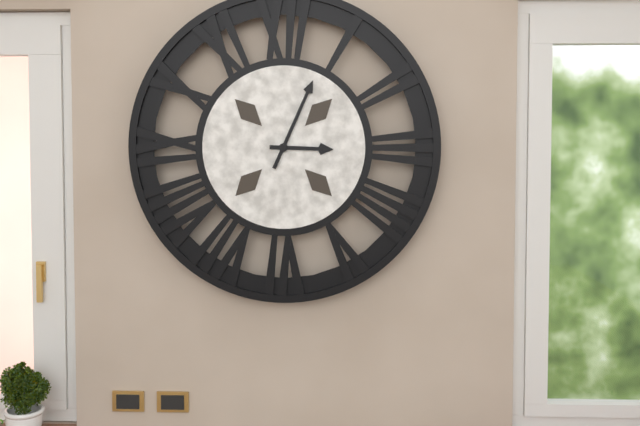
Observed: **3:04**
